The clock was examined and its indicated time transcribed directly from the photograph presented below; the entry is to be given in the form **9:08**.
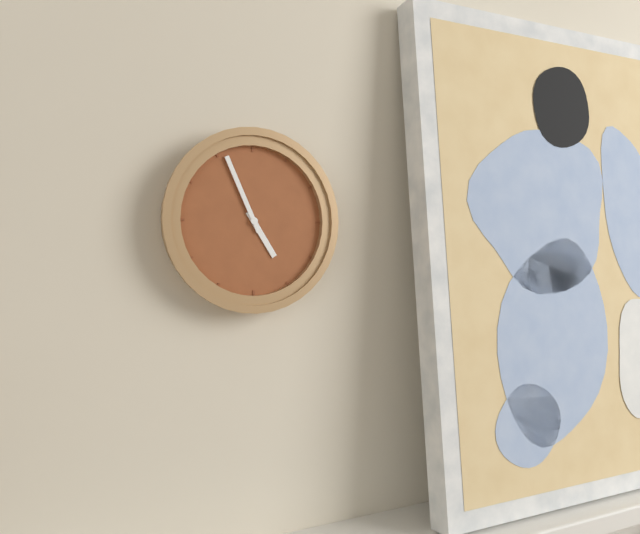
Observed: **4:56**
